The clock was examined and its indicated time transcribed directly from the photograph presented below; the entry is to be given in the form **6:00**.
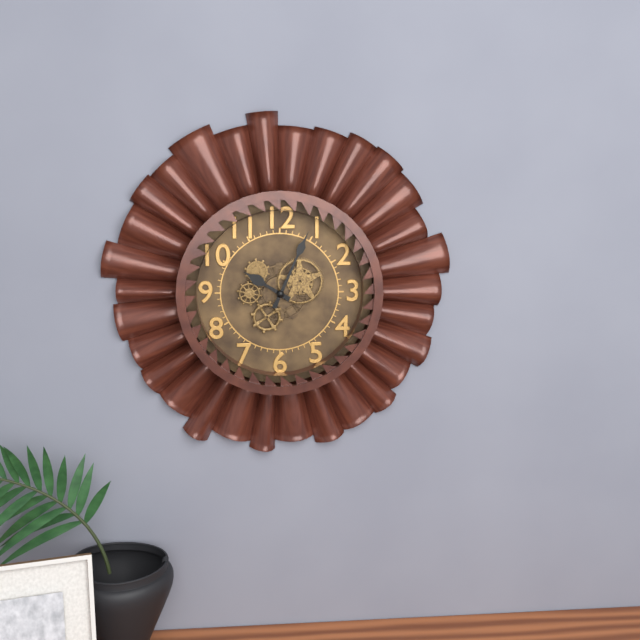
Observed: **10:04**
